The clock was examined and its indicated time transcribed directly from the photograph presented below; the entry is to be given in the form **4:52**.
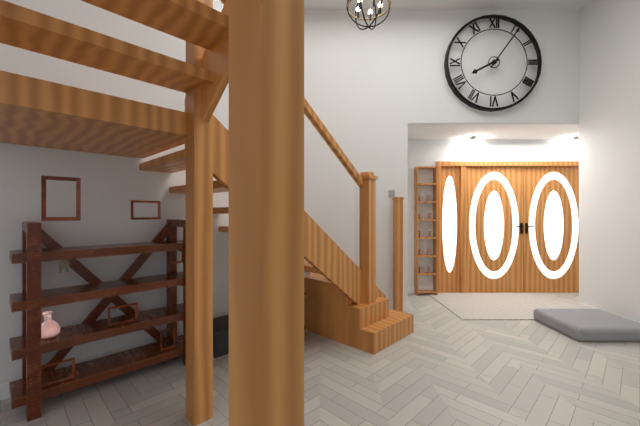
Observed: **8:06**
